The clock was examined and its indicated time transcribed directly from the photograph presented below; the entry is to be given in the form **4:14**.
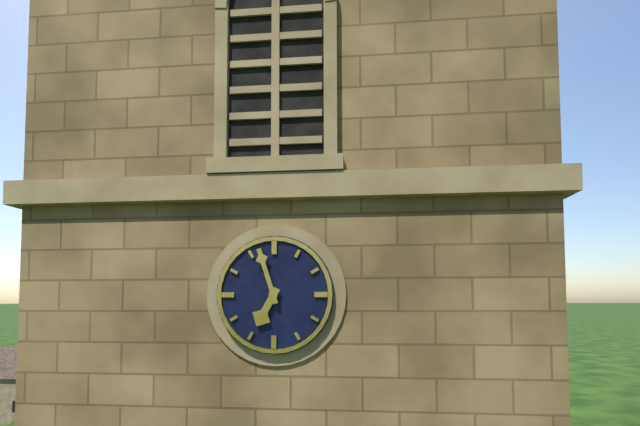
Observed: **6:57**
